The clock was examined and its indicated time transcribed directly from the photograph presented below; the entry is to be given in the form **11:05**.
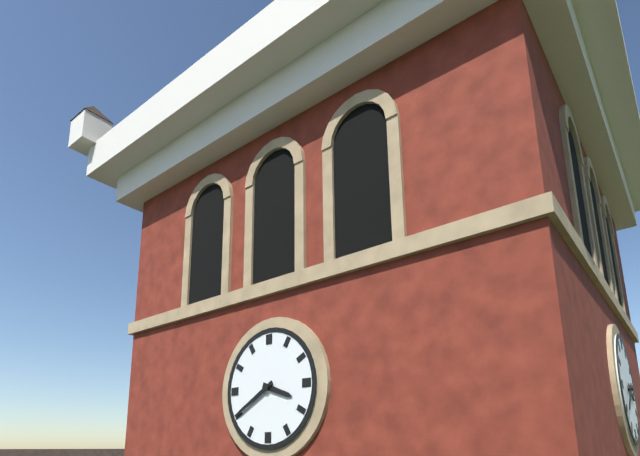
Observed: **3:40**
